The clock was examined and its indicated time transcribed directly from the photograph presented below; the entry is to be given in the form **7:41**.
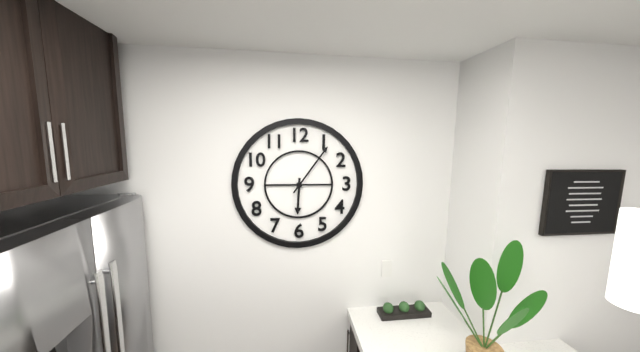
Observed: **6:06**
